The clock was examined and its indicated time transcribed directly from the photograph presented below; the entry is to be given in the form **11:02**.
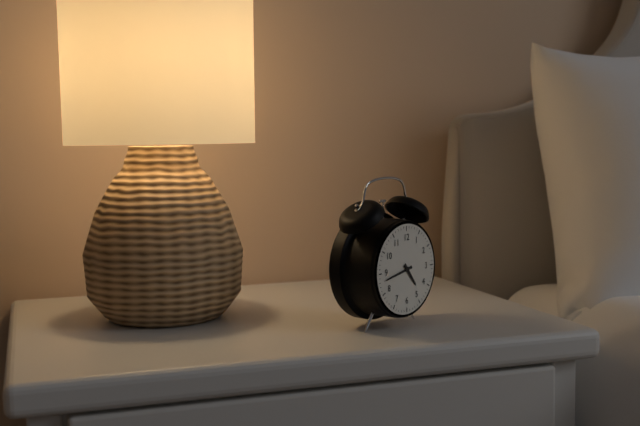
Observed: **4:43**
